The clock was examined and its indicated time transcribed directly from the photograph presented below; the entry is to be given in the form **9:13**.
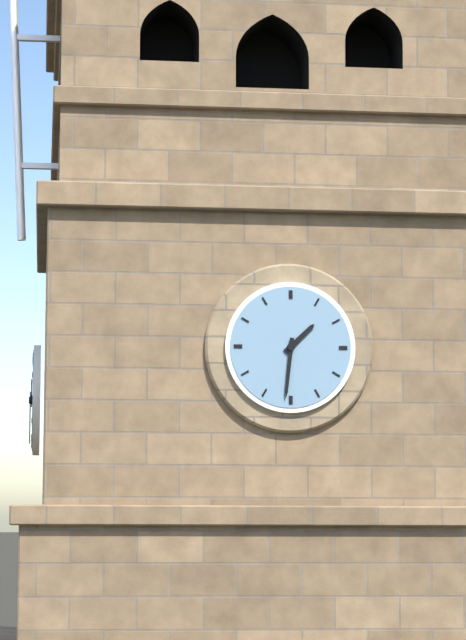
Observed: **1:31**
